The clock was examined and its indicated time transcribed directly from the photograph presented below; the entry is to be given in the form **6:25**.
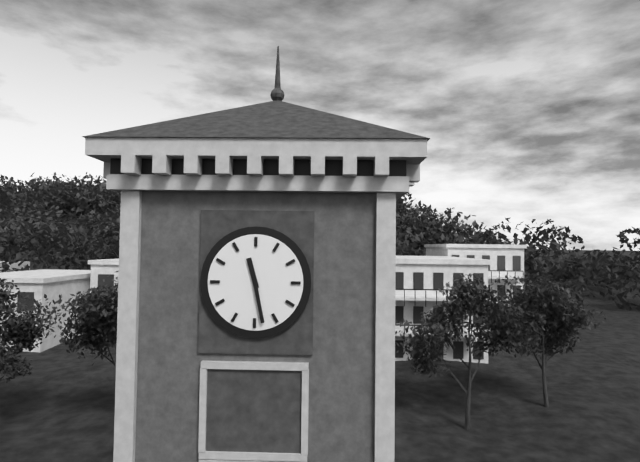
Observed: **11:28**
